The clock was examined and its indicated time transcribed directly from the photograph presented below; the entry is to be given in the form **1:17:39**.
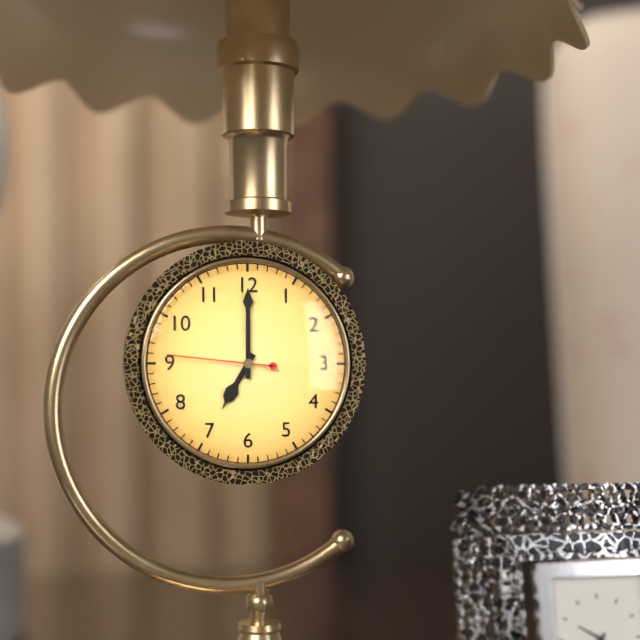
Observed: **7:00:46**
